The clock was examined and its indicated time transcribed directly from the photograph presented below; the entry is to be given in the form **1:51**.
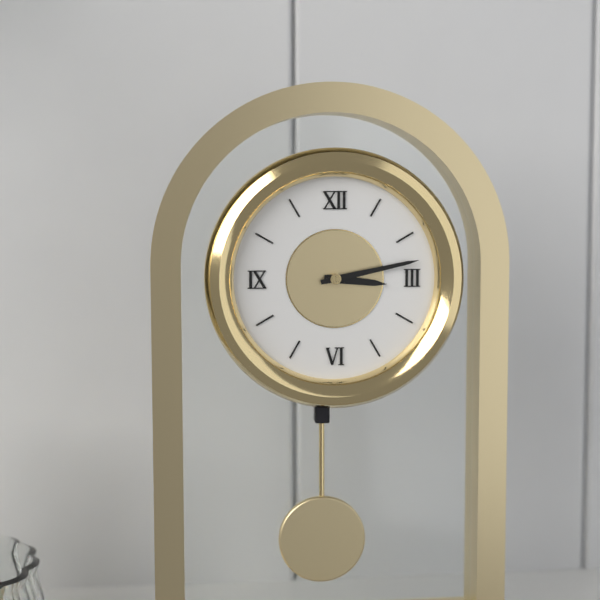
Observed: **3:13**
